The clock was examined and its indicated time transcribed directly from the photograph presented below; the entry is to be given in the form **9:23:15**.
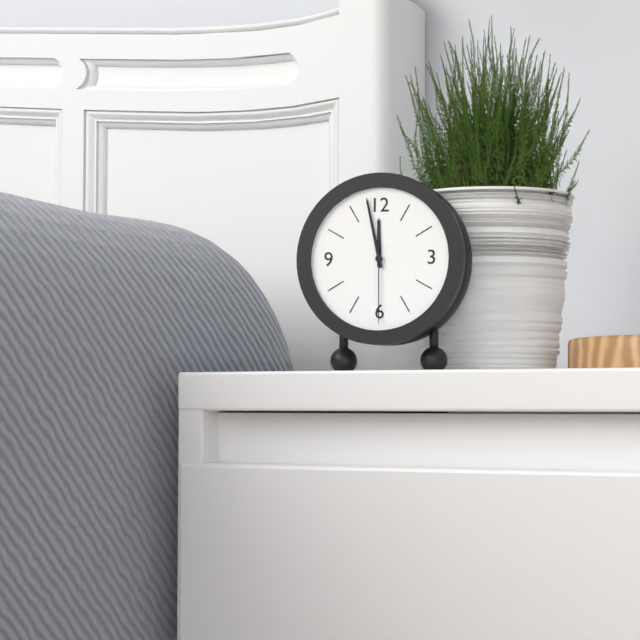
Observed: **11:58:30**
